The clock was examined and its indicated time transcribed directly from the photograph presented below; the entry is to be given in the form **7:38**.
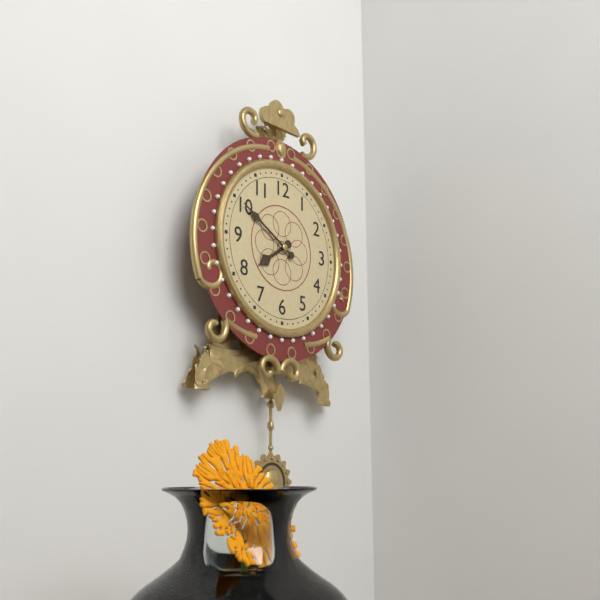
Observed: **7:50**
